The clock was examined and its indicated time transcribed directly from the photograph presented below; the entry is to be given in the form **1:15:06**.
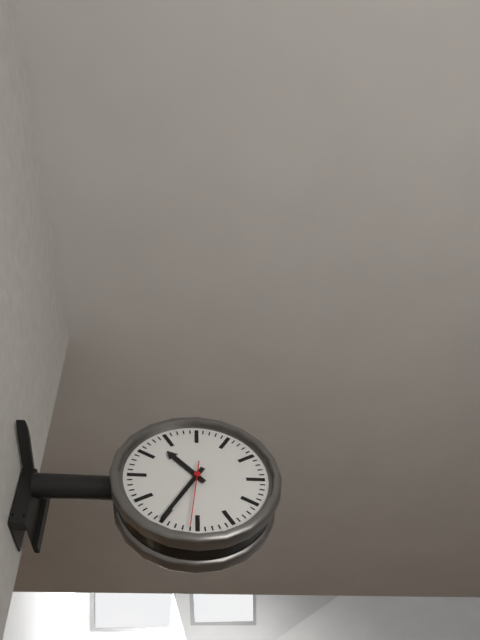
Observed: **10:35:31**
